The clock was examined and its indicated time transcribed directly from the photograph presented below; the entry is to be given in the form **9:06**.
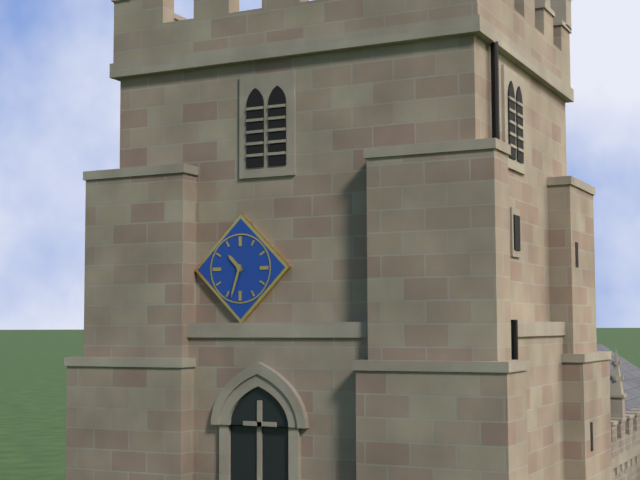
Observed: **10:33**
